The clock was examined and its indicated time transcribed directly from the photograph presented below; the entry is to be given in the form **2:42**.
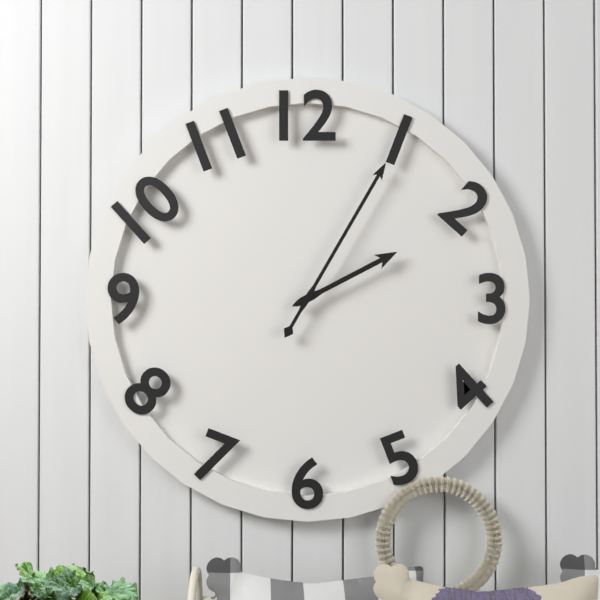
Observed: **2:05**
